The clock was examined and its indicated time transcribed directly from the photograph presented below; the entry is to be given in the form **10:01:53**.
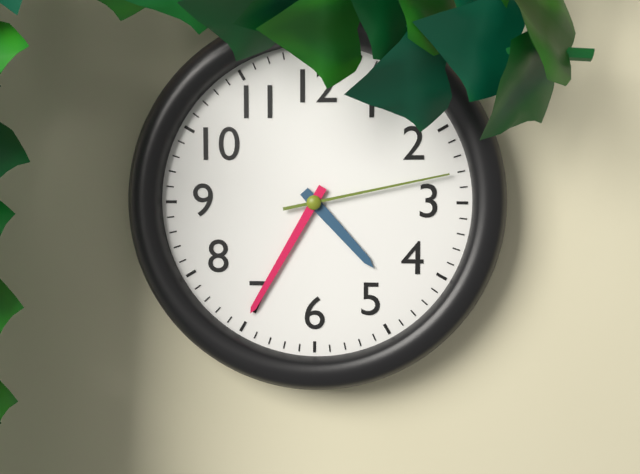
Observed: **4:35:13**
